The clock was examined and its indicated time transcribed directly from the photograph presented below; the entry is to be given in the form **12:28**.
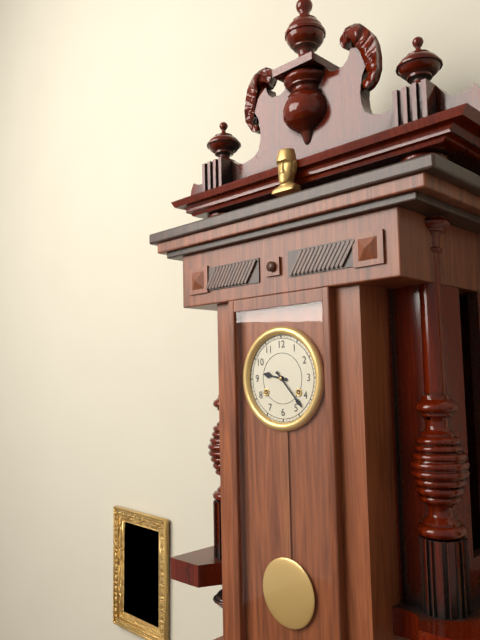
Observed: **9:23**
